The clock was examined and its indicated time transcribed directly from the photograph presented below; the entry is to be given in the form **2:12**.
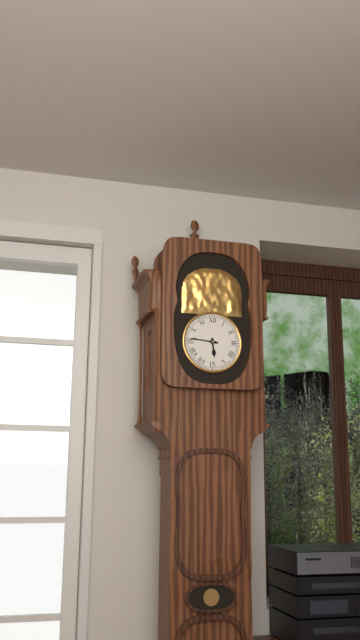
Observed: **5:46**
